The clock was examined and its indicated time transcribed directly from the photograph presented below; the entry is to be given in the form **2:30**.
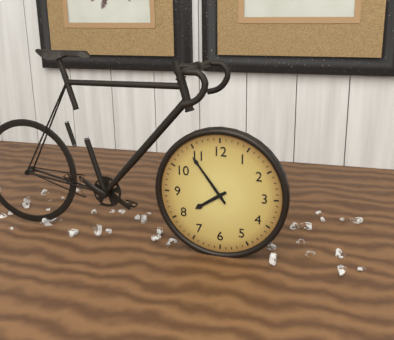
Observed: **7:54**
